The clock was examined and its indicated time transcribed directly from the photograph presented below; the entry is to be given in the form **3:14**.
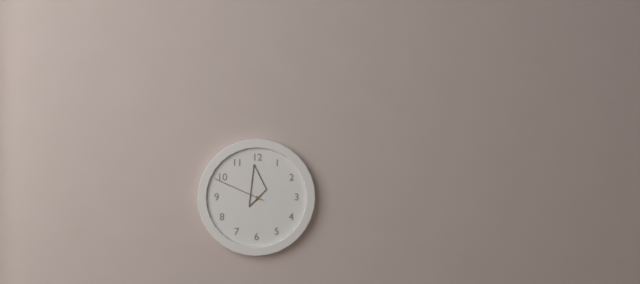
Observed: **11:49**
